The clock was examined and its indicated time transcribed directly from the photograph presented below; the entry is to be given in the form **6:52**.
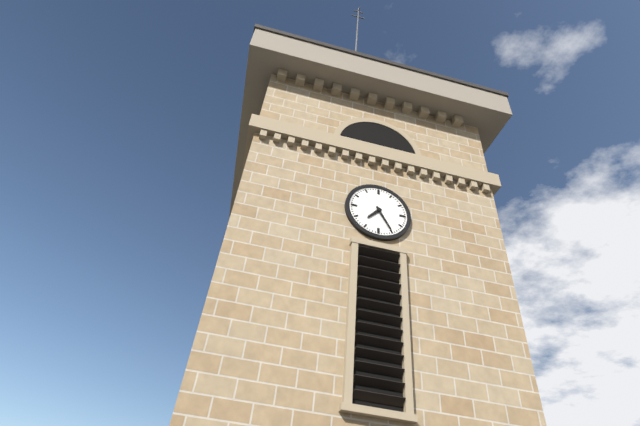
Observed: **7:25**
